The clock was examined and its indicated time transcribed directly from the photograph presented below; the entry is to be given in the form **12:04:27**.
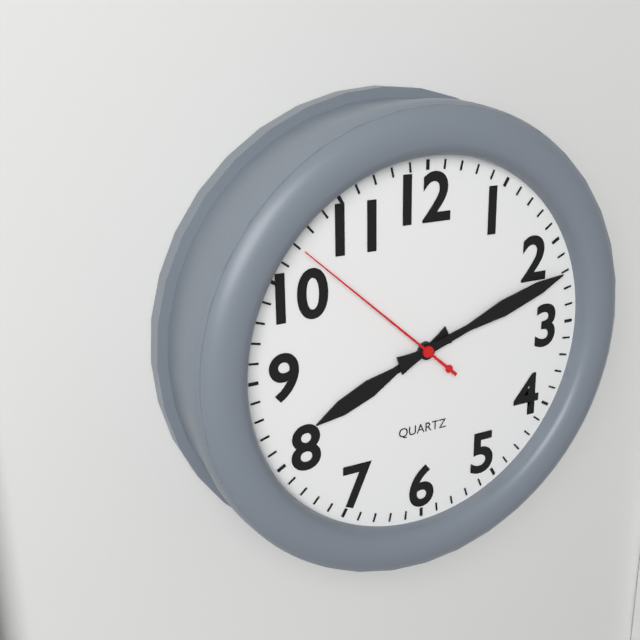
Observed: **8:12:52**
